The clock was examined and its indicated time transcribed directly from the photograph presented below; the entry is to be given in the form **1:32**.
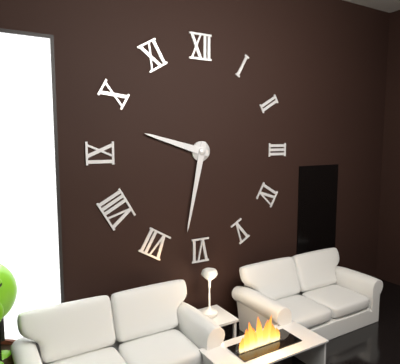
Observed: **9:32**
